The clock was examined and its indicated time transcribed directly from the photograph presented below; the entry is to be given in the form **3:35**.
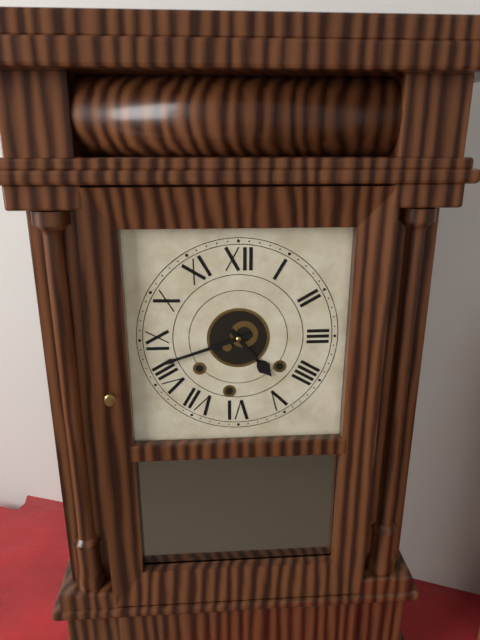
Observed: **4:42**
